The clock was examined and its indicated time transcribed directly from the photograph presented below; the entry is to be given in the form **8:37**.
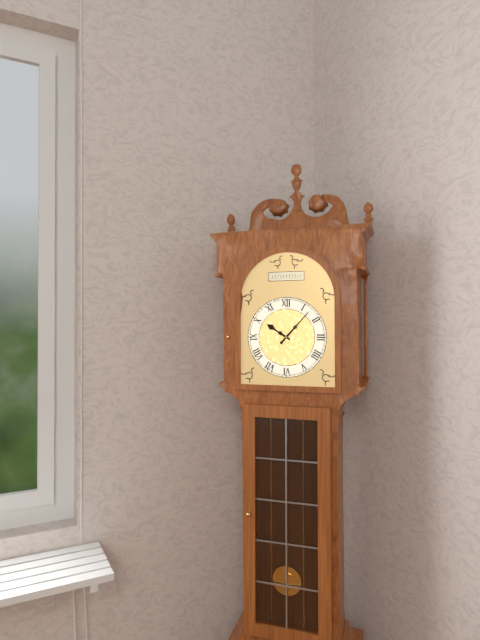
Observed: **10:07**
